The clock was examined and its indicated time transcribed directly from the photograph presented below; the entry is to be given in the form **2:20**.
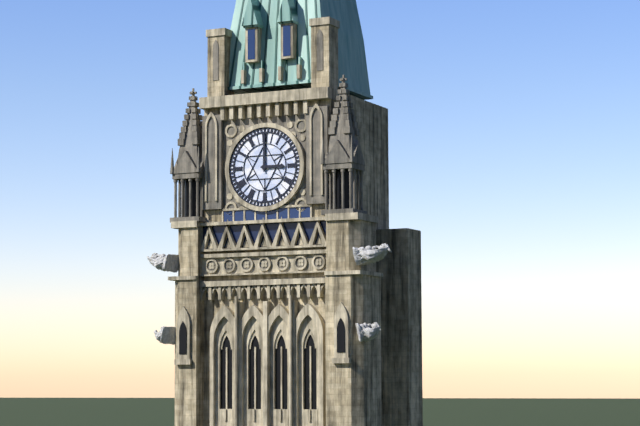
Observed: **3:00**
